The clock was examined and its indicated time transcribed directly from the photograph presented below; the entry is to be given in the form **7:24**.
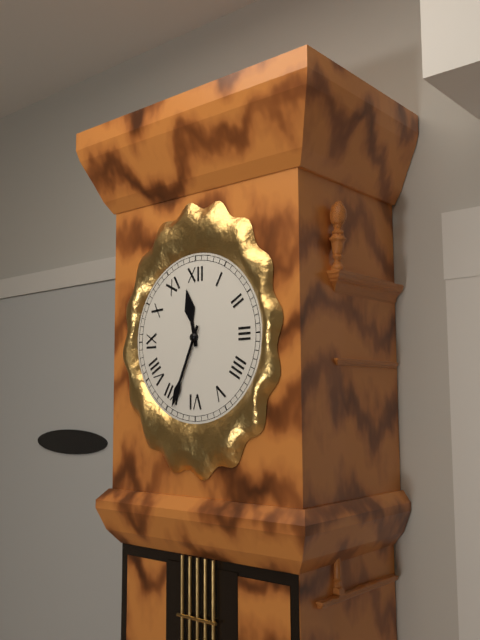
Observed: **11:34**
